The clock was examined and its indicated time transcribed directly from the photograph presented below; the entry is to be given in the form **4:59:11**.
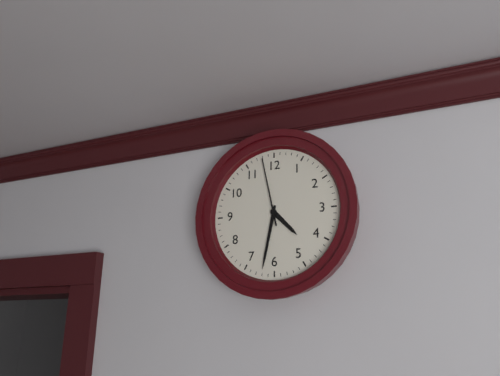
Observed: **4:32:58**
